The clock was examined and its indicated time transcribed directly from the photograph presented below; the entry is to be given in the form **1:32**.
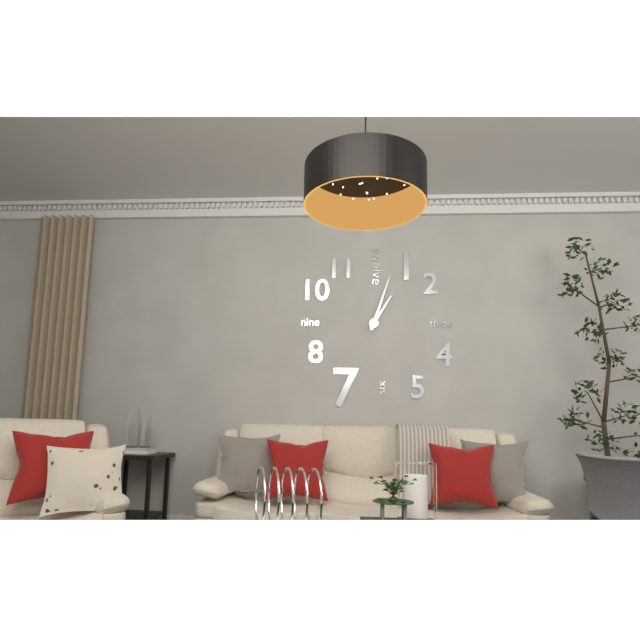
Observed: **1:03**
